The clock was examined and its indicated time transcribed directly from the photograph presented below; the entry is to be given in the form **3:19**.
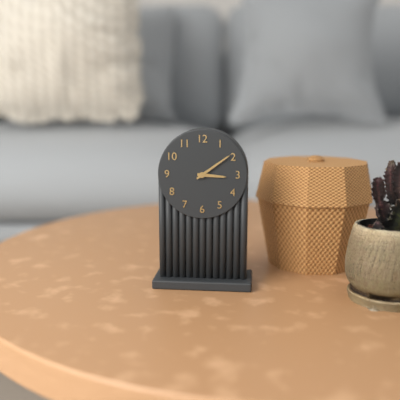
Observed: **3:09**
